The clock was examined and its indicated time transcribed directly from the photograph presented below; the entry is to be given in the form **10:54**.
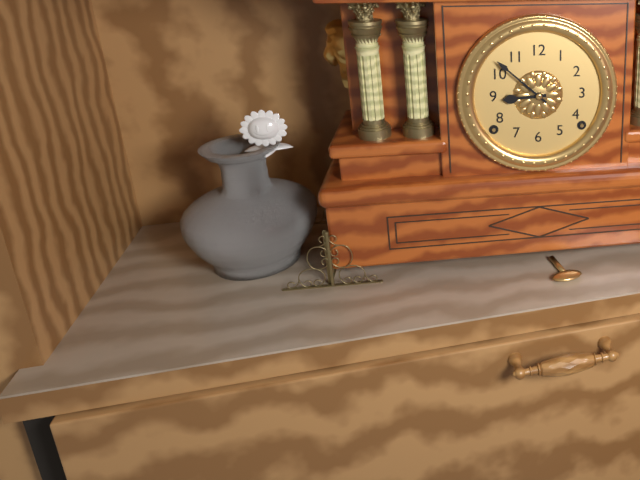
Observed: **8:52**
